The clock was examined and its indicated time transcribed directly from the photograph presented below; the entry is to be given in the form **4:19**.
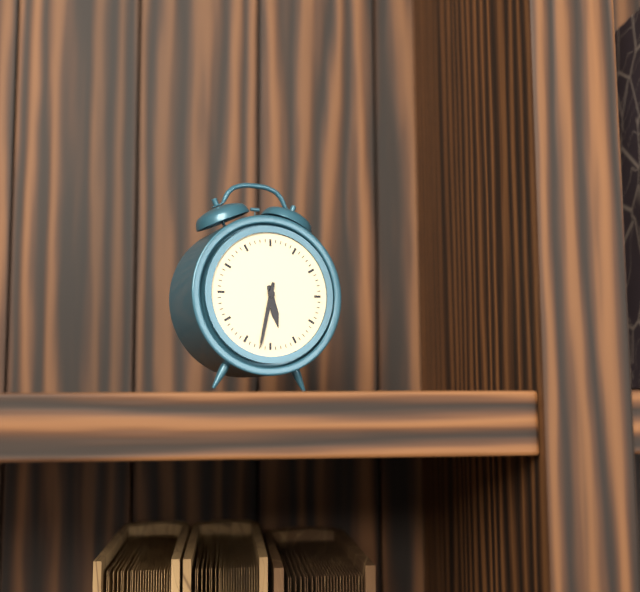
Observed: **5:32**
